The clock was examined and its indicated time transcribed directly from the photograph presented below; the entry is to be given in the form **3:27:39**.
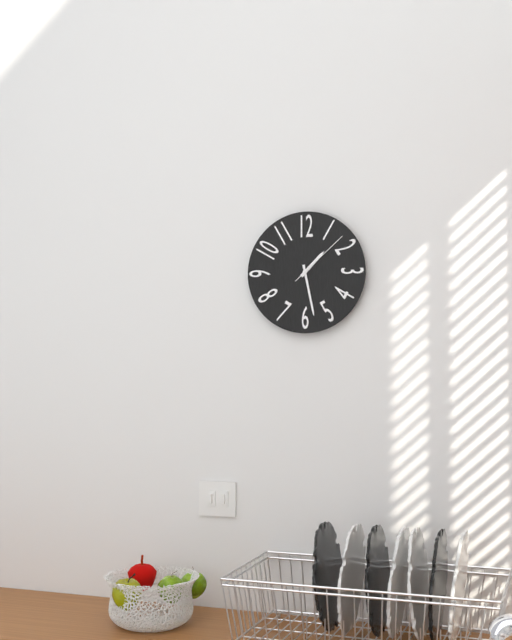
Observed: **1:28:08**
